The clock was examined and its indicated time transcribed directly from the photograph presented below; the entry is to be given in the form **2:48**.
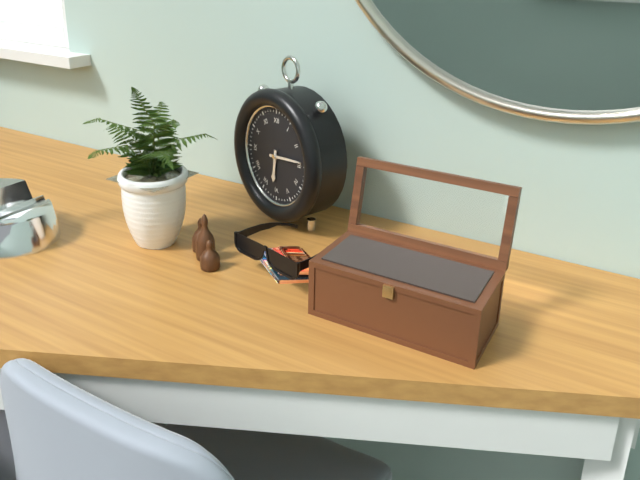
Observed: **6:14**
